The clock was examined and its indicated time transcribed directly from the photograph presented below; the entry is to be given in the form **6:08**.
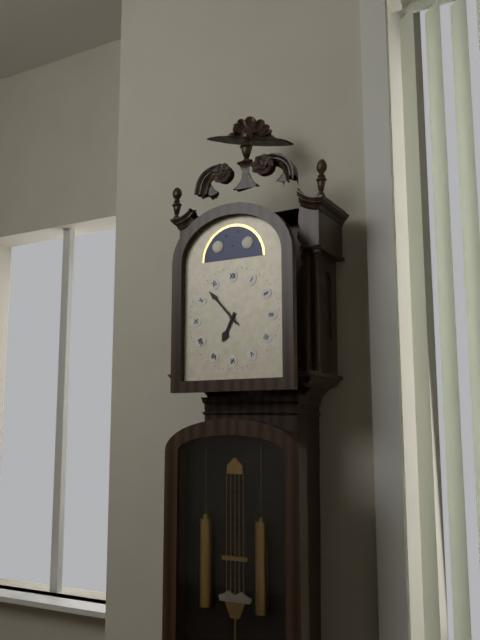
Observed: **6:53**
